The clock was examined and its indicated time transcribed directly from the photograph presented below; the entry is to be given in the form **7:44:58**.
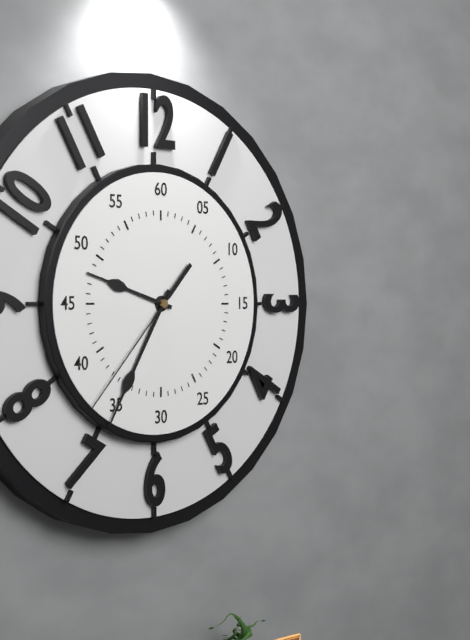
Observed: **9:35:37**
